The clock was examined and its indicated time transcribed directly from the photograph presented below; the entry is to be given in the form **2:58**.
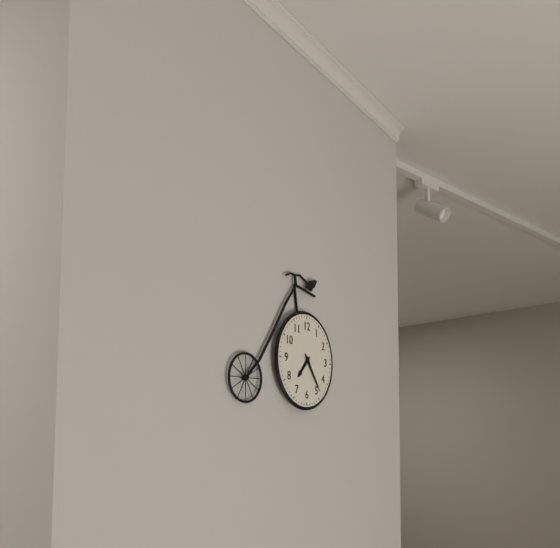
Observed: **7:24**
